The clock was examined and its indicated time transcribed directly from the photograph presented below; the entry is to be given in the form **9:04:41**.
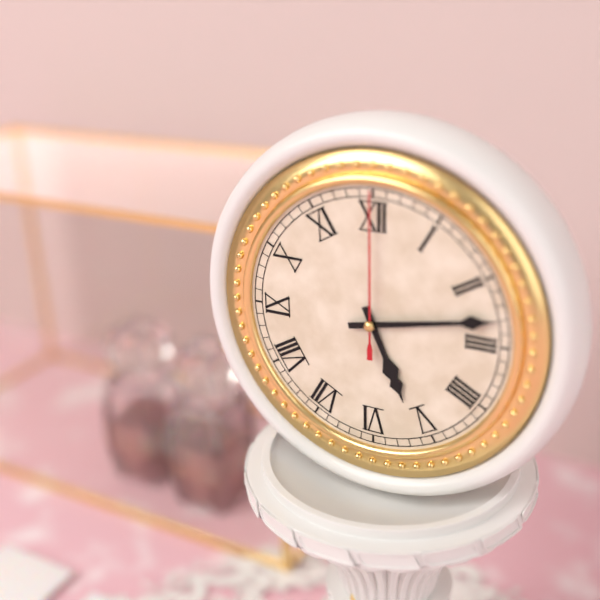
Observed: **5:13:00**
